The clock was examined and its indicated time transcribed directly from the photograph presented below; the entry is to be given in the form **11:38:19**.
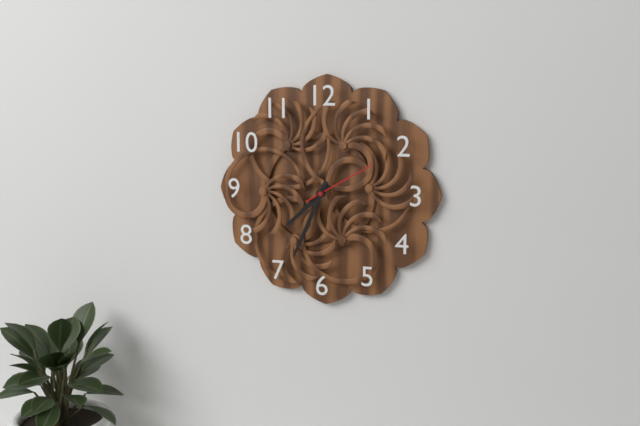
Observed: **7:34:10**
